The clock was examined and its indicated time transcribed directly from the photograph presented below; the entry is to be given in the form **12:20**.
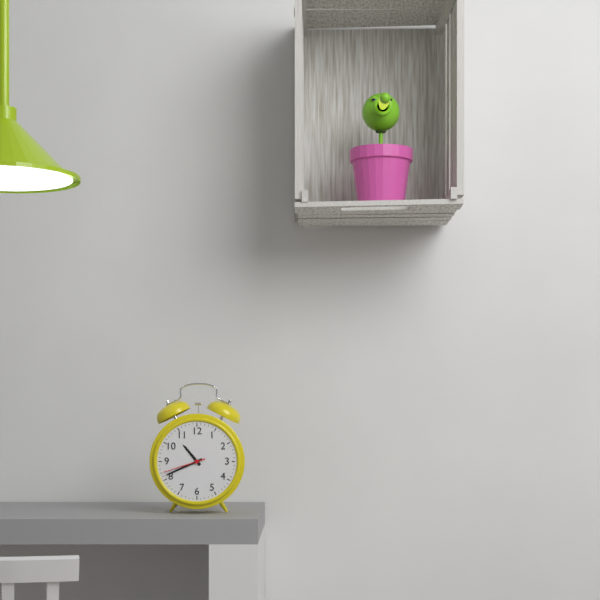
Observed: **10:41**
